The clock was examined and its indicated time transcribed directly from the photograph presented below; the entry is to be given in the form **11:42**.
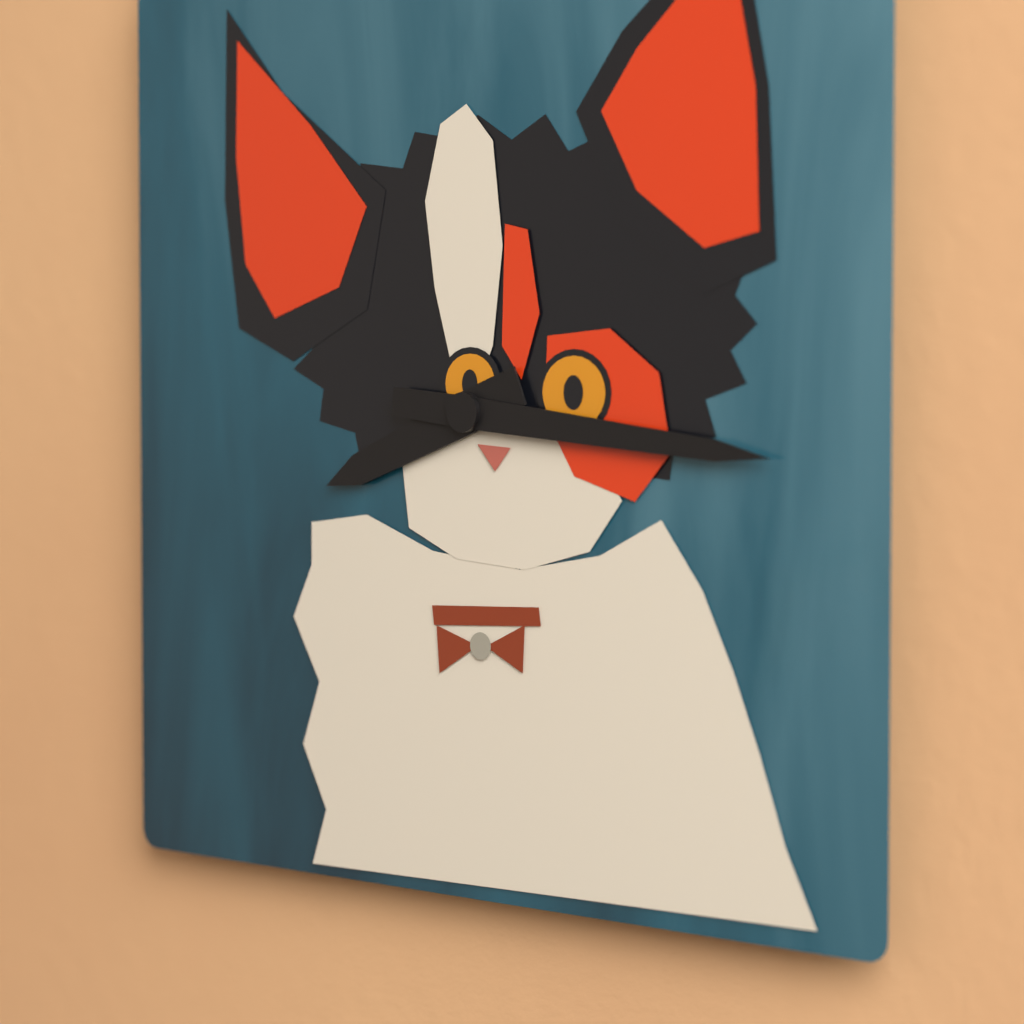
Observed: **8:16**
